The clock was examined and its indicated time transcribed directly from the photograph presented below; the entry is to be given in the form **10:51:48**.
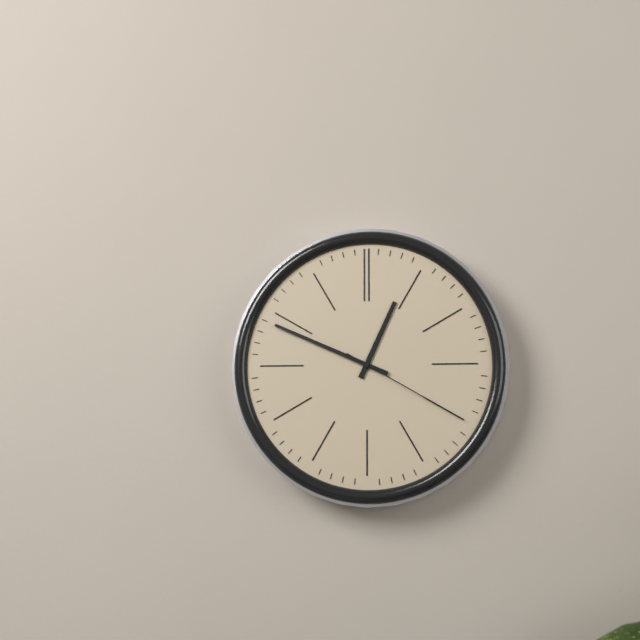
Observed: **12:49:20**
